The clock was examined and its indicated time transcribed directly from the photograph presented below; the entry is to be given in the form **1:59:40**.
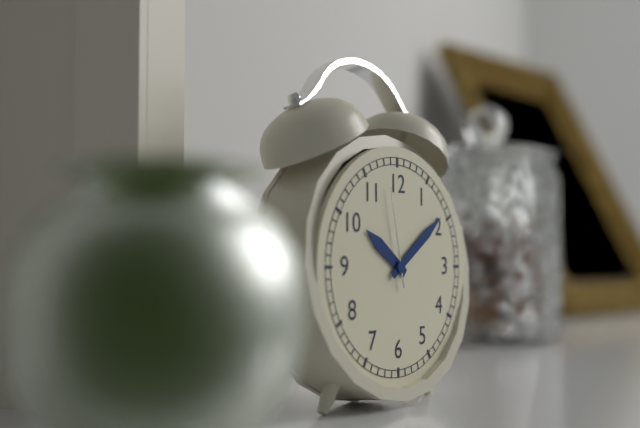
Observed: **10:09:58**
